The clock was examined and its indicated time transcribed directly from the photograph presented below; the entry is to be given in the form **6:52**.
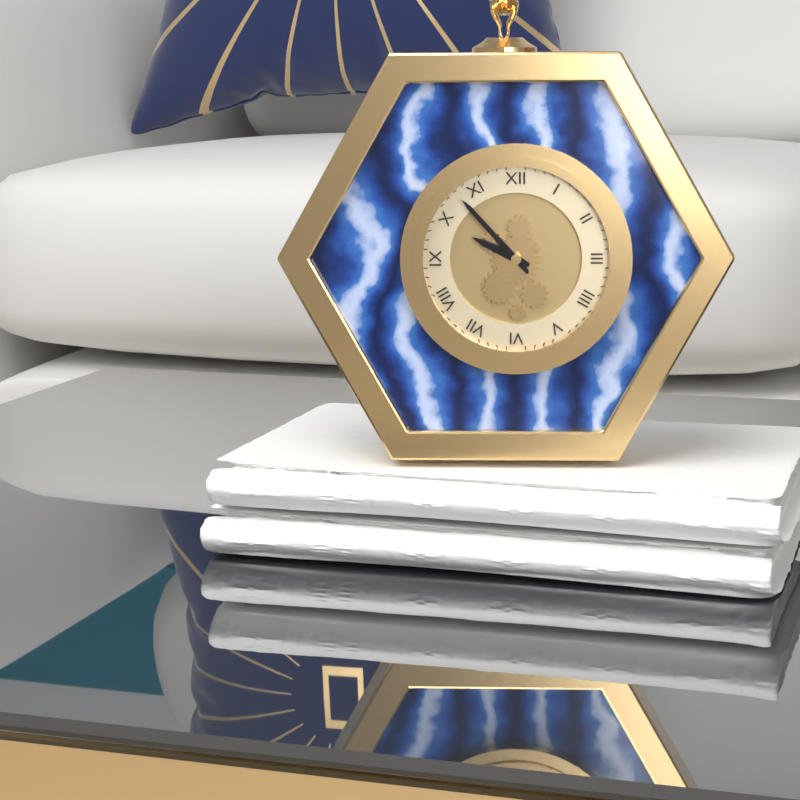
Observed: **9:53**
